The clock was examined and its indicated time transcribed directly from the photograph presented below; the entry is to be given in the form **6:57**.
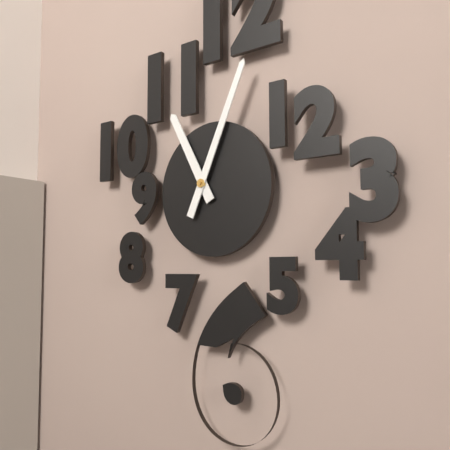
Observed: **11:04**
